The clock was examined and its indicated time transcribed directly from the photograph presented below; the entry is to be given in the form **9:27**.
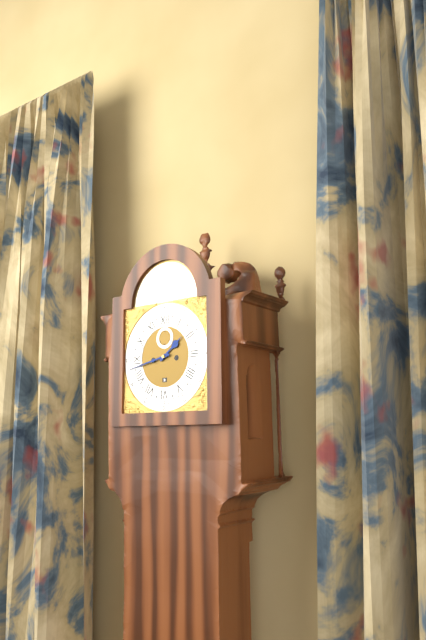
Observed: **1:43**
